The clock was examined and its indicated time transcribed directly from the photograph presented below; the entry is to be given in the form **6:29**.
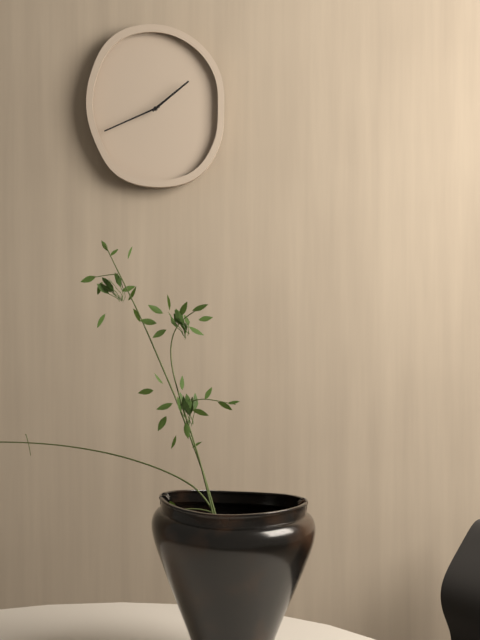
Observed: **1:41**
